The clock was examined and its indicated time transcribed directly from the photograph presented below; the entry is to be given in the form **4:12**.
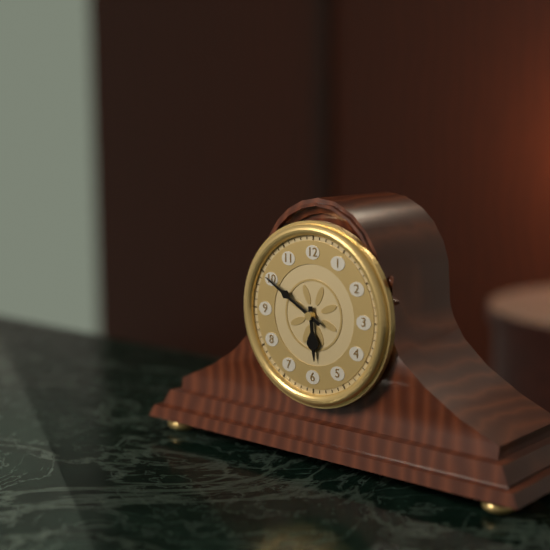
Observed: **5:50**
